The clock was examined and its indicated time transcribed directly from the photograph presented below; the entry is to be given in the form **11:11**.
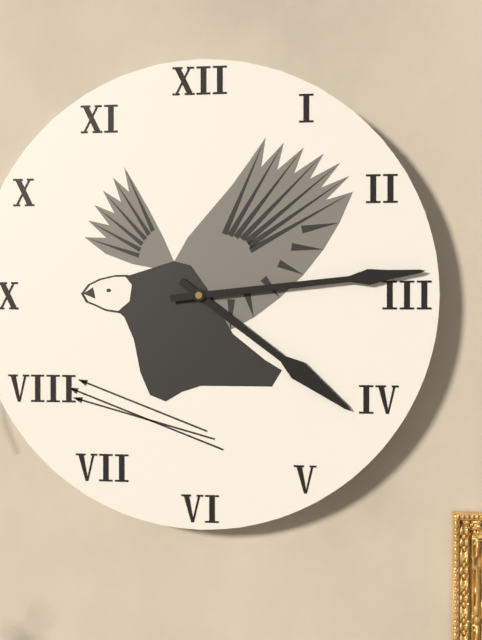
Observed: **4:14**
